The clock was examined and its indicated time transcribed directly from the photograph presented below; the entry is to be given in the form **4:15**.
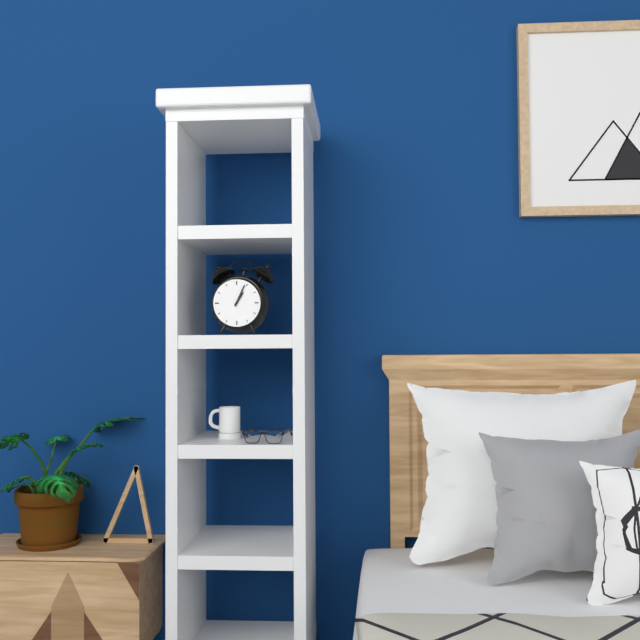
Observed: **1:04**
